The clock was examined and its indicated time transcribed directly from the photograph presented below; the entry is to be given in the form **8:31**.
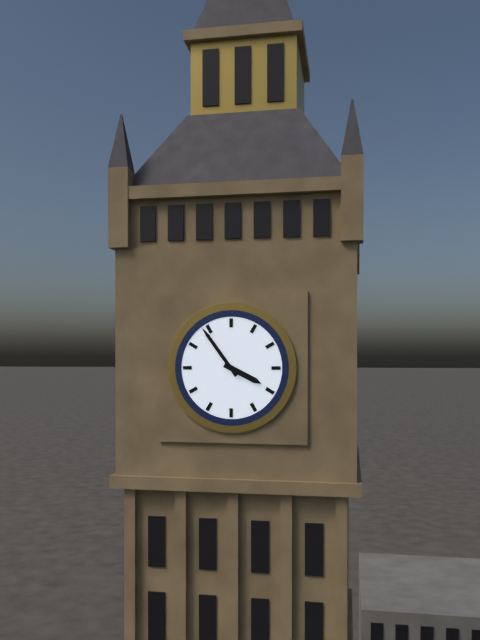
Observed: **3:54**
